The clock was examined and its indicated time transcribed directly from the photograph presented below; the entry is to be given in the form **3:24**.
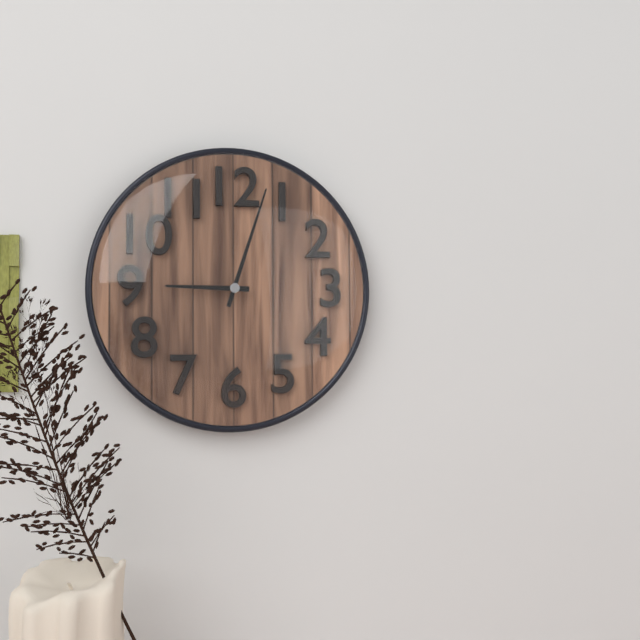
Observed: **9:03**
